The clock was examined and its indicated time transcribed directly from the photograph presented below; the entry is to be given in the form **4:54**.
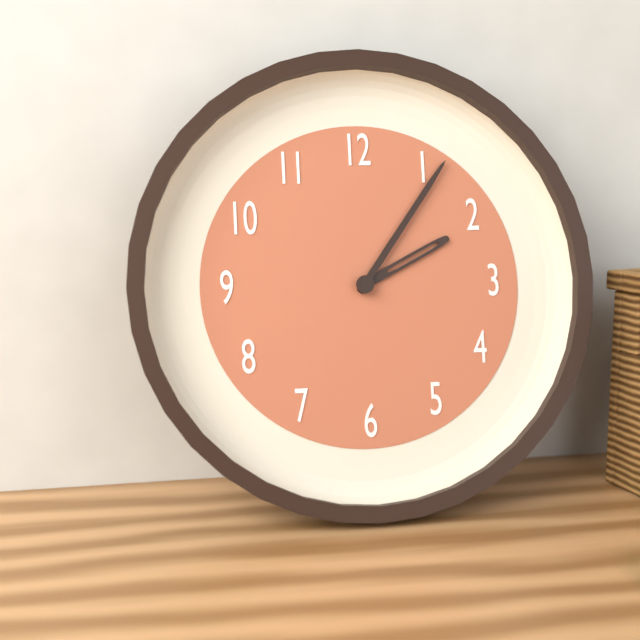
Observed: **2:06**
